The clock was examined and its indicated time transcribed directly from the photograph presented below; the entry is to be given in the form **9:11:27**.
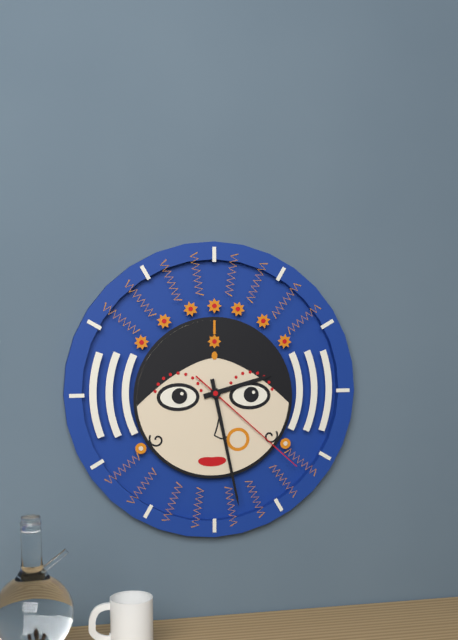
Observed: **2:28:22**
